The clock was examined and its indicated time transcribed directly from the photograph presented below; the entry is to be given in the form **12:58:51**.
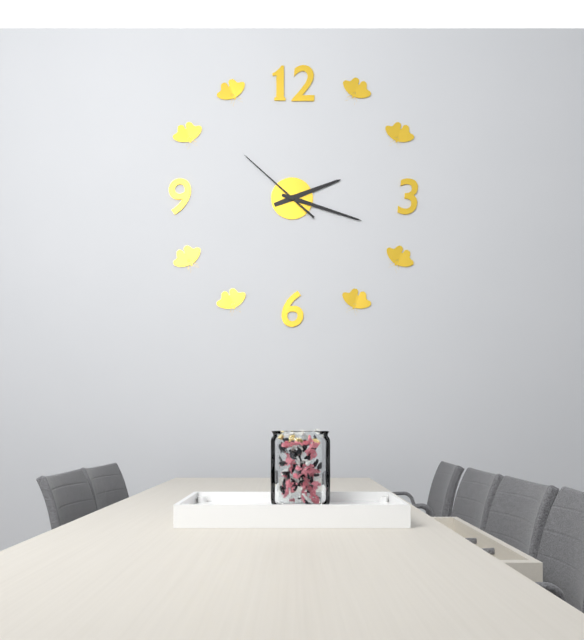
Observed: **2:18:52**
